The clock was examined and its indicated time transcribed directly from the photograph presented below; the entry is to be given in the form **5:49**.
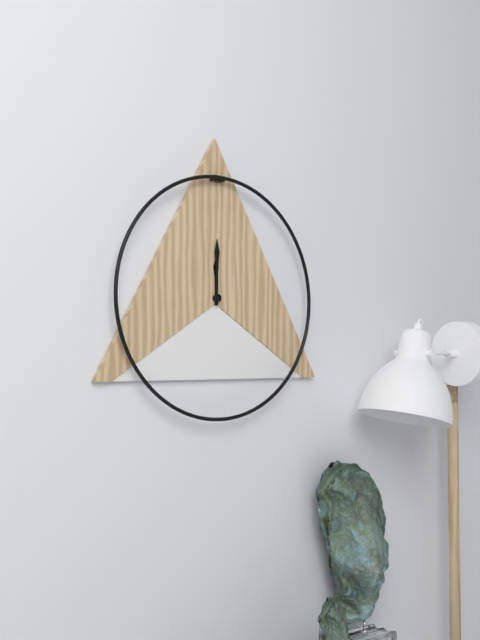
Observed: **12:00**
